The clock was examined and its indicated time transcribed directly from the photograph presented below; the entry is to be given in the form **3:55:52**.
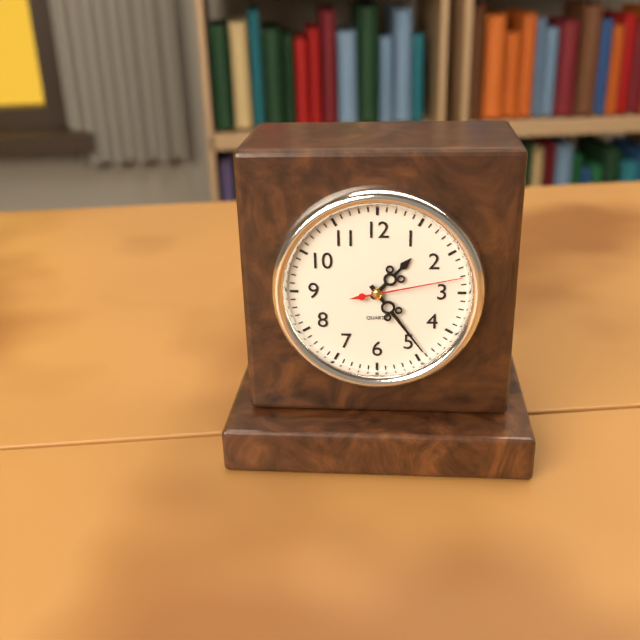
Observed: **1:24:13**
